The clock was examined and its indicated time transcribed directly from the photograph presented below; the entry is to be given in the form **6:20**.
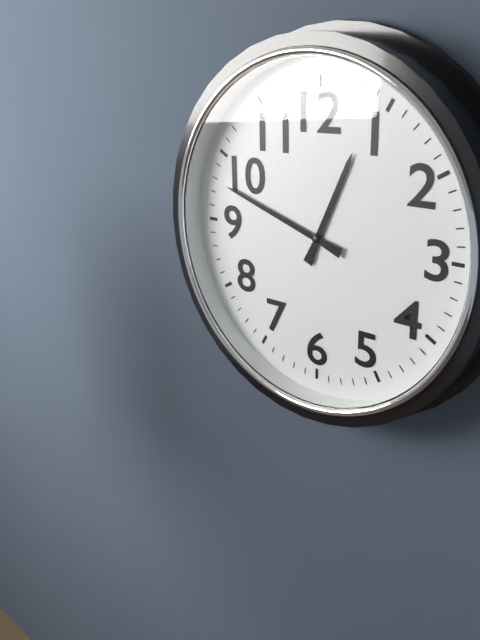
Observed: **12:48**
